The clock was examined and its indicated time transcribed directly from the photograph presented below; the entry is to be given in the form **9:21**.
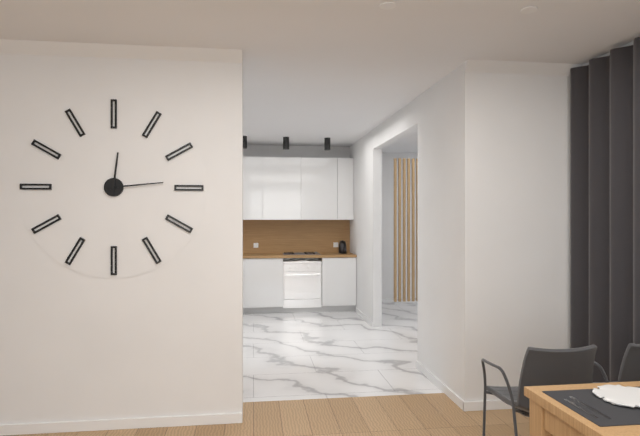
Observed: **12:14**
